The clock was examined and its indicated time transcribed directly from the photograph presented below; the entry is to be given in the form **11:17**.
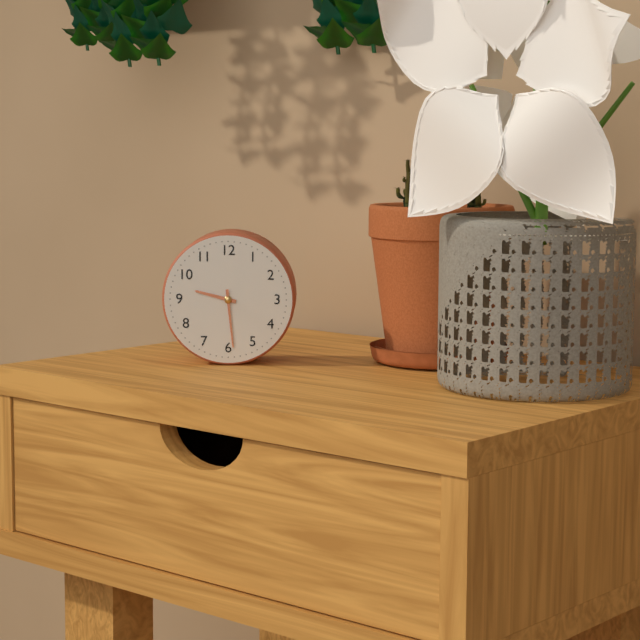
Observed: **9:29**
